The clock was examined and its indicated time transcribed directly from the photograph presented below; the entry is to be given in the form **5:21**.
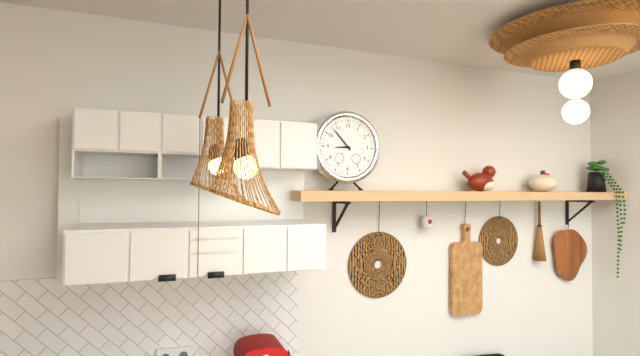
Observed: **8:53**
